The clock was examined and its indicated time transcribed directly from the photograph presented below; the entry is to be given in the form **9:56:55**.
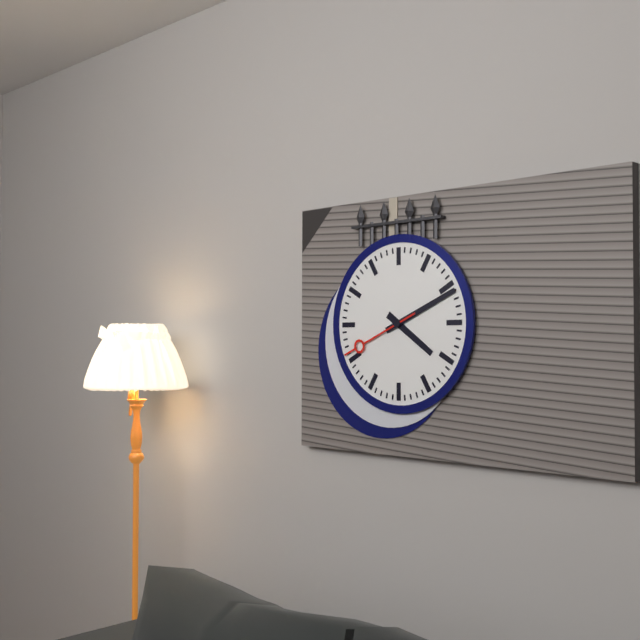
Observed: **4:11:41**
